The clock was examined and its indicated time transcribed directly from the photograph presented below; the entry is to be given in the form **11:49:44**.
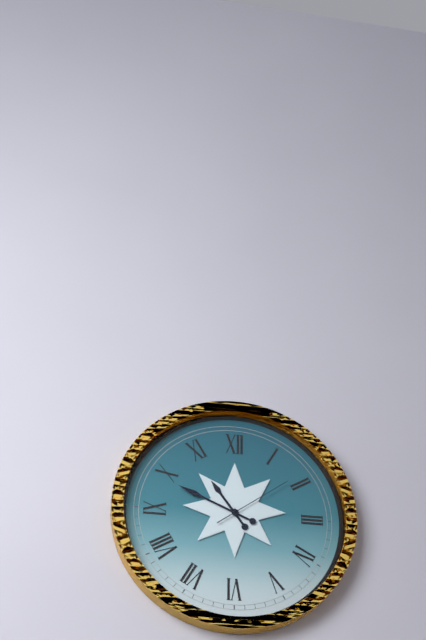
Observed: **10:49:09**
